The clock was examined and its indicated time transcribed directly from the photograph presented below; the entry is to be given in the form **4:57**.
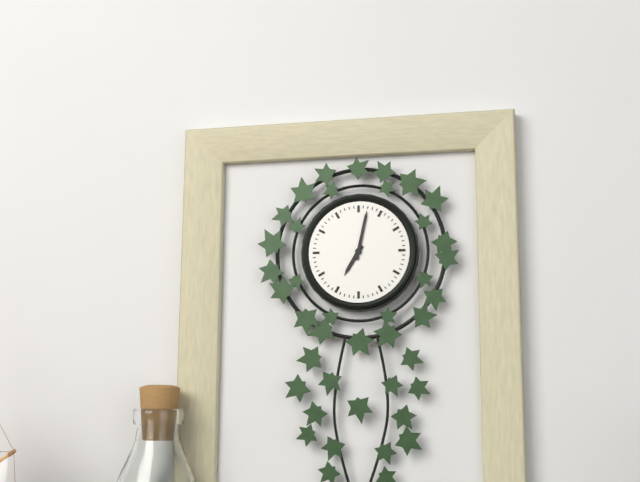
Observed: **7:02**
